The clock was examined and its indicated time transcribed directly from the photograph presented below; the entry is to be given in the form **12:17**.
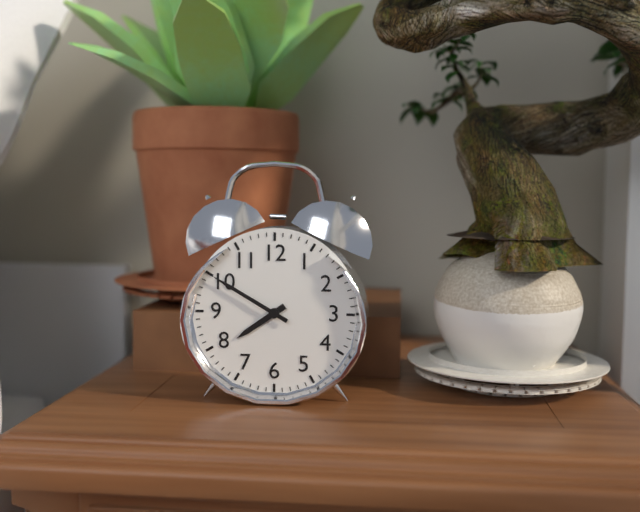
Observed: **7:50**
